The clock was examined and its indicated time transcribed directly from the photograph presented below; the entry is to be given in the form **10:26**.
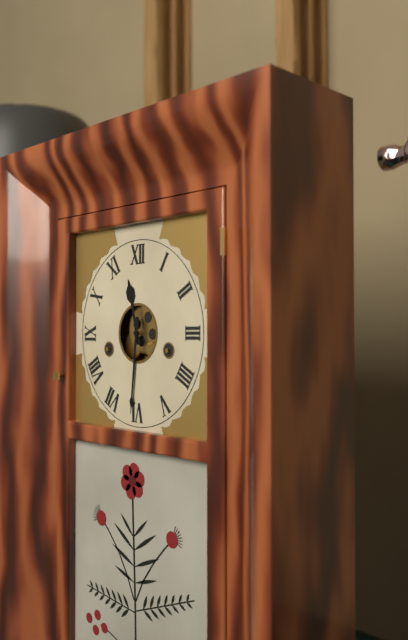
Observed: **11:31**
